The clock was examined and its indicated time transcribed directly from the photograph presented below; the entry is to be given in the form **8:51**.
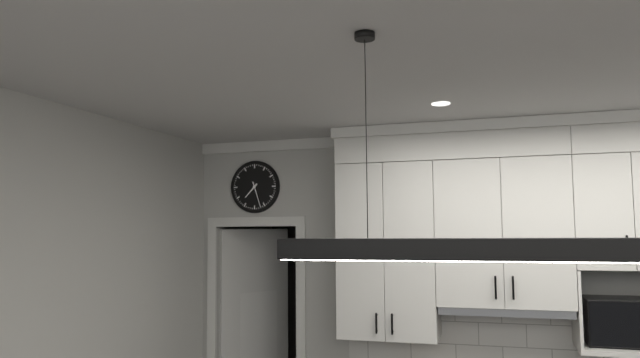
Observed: **7:27**
